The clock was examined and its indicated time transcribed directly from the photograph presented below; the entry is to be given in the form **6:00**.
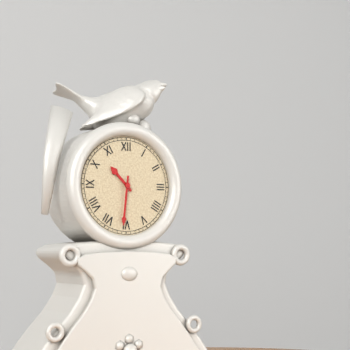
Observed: **10:31**
